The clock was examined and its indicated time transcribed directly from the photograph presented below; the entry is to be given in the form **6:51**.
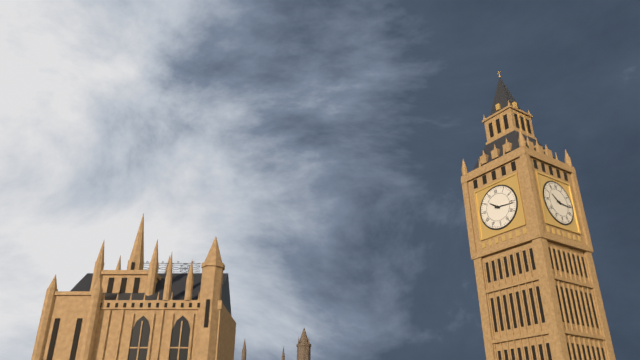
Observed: **10:16**
